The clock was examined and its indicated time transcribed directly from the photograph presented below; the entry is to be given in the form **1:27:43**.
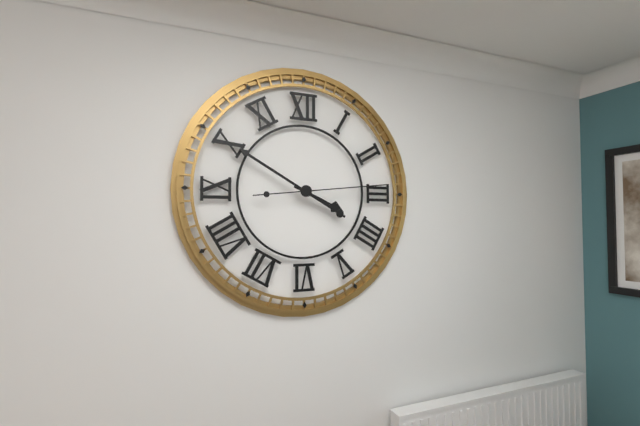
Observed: **3:50:14**
